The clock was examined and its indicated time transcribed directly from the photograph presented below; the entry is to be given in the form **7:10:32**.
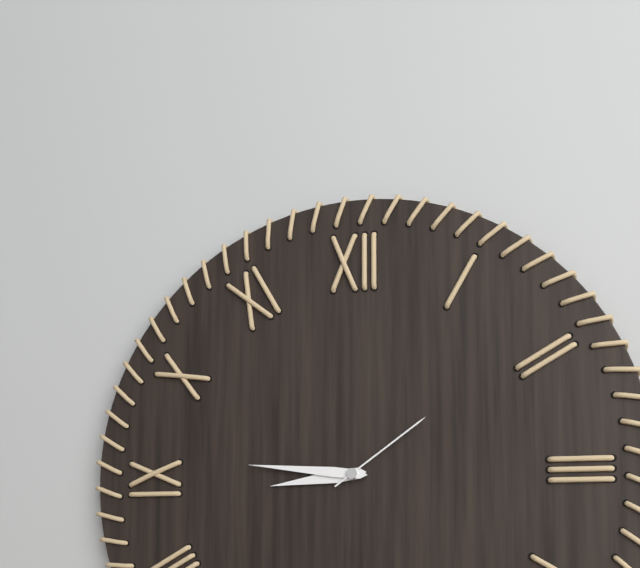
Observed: **8:46:09**
